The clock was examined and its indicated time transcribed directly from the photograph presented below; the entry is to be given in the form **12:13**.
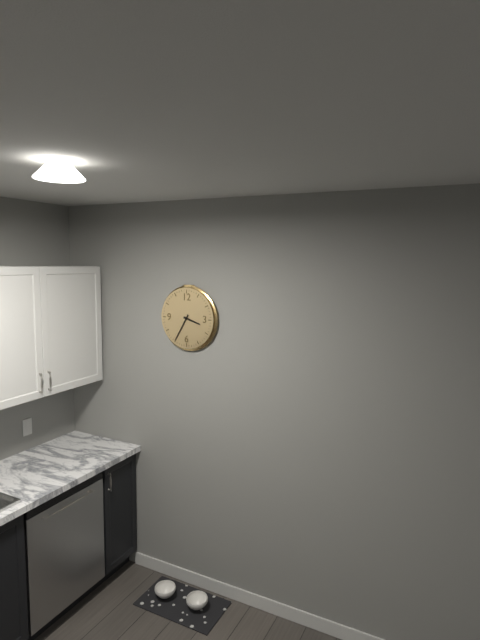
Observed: **3:35**
